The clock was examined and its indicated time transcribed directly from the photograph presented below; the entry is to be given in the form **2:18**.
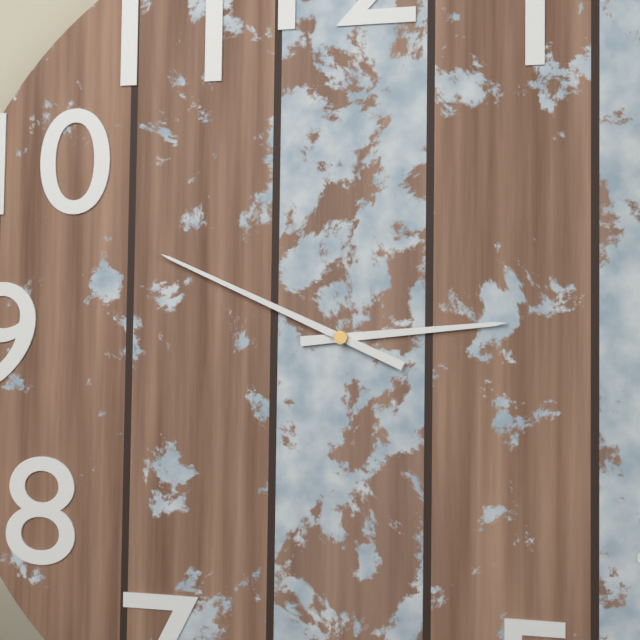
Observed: **2:49**
